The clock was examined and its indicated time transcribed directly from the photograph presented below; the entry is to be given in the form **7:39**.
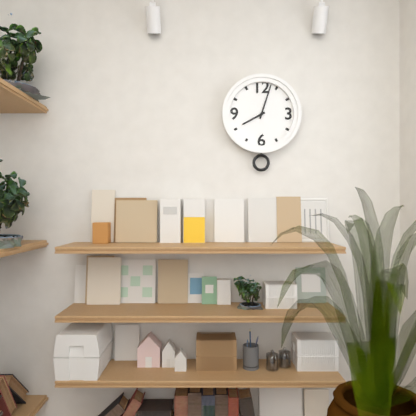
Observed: **8:03**
